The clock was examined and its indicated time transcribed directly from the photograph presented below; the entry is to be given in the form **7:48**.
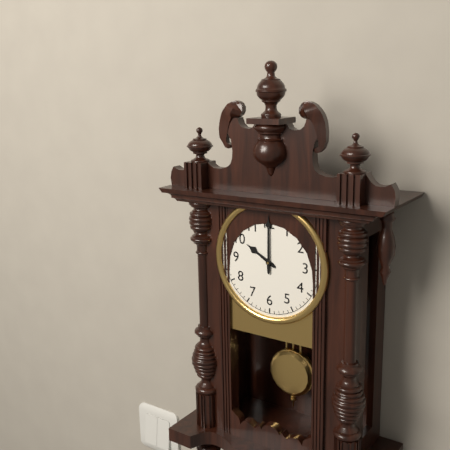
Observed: **10:00**
